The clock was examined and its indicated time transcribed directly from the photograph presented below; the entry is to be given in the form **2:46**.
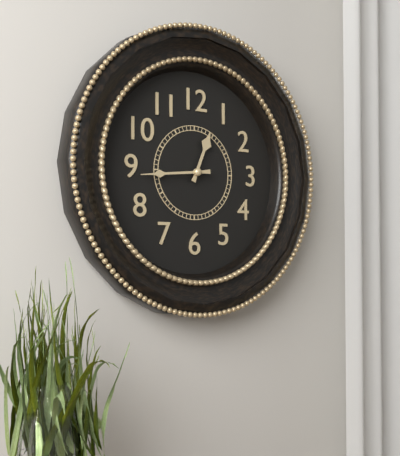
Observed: **12:44**
